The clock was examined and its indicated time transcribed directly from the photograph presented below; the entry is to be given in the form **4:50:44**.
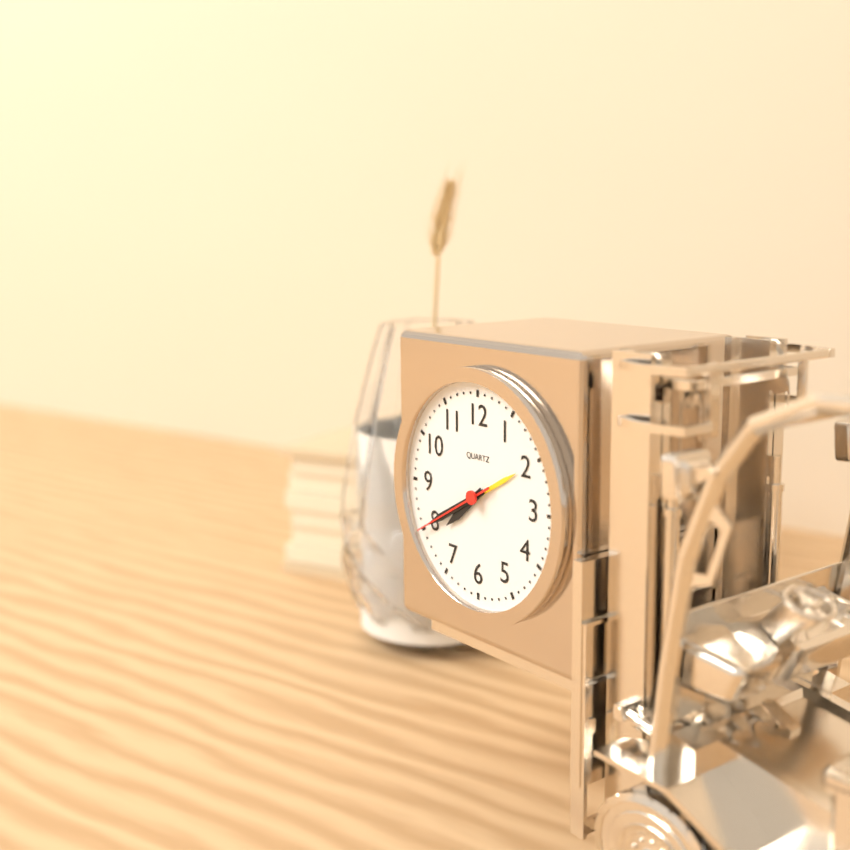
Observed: **7:40:40**
